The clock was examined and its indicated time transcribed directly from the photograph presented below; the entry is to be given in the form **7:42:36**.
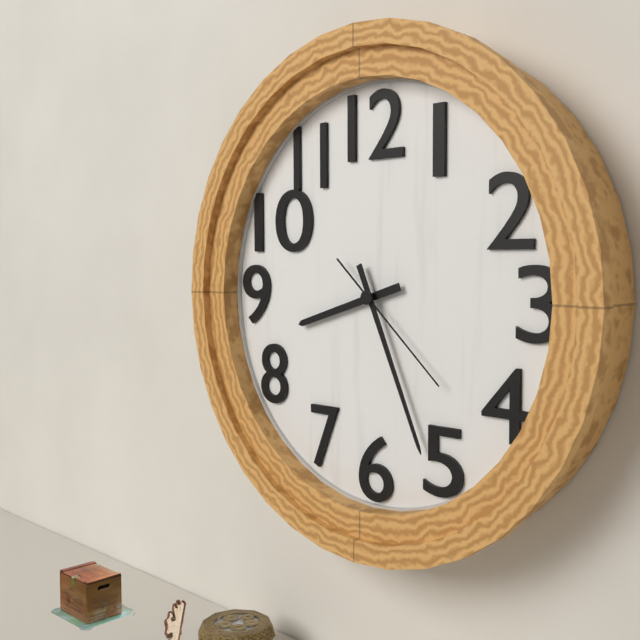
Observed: **8:26:22**
